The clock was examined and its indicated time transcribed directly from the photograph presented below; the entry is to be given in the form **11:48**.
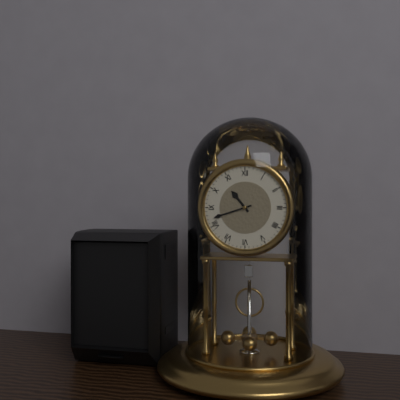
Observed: **10:42**
